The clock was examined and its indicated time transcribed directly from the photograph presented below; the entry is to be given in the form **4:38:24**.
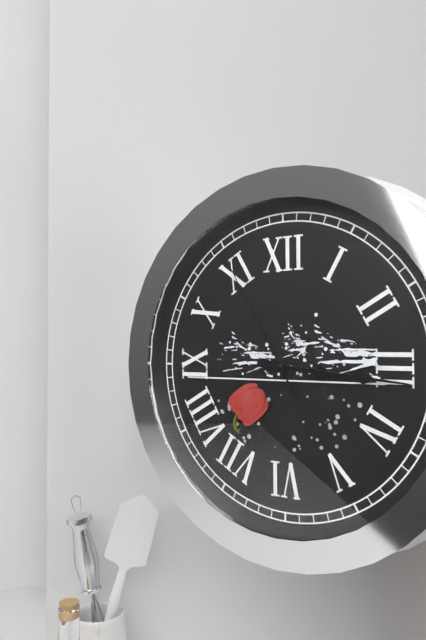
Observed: **3:16:55**
